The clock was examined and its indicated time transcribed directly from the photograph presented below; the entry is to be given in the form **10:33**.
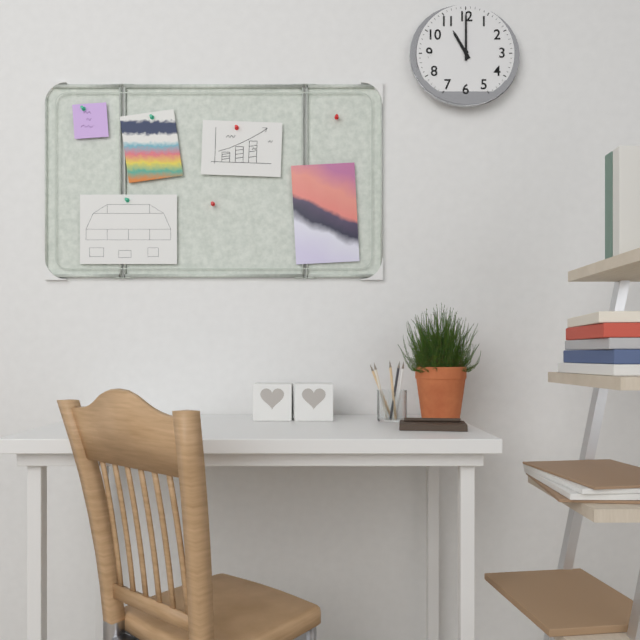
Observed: **11:00**
